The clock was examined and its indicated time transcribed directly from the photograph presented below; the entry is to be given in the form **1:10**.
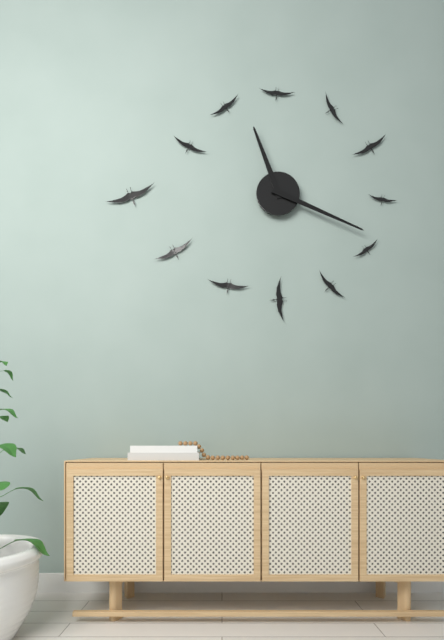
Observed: **11:19**
